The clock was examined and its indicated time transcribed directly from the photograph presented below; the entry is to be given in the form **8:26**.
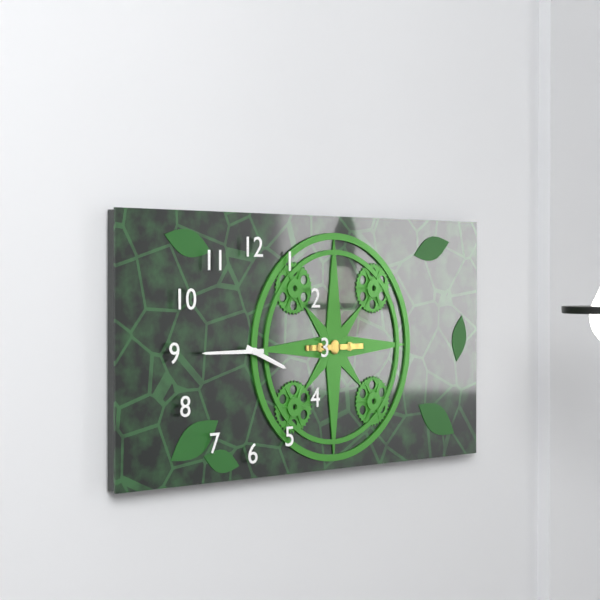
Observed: **3:45**
